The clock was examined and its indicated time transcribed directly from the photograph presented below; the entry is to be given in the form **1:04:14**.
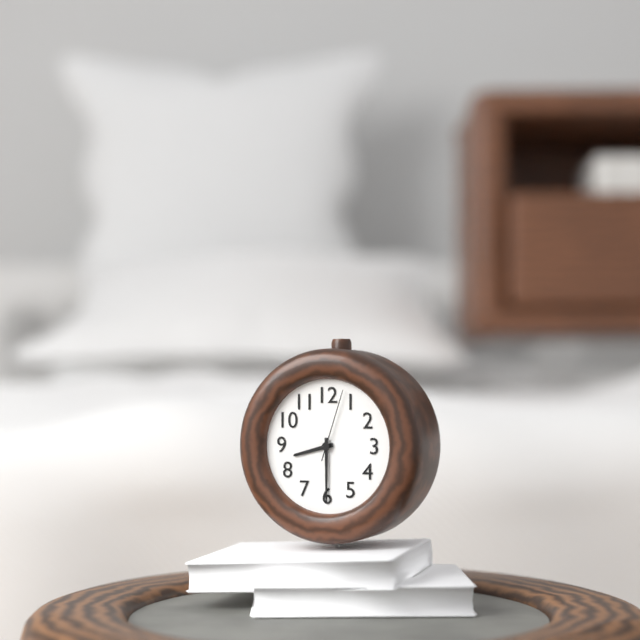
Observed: **8:30:03**
